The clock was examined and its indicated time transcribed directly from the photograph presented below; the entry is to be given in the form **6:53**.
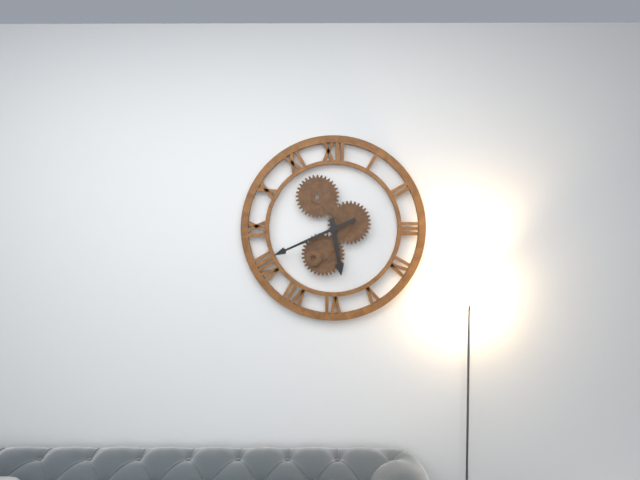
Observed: **5:41**
